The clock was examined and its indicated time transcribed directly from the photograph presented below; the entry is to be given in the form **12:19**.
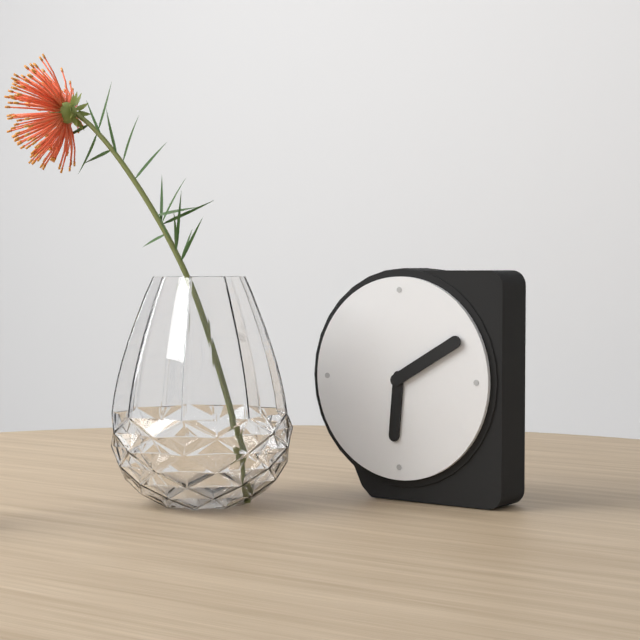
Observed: **6:10**
